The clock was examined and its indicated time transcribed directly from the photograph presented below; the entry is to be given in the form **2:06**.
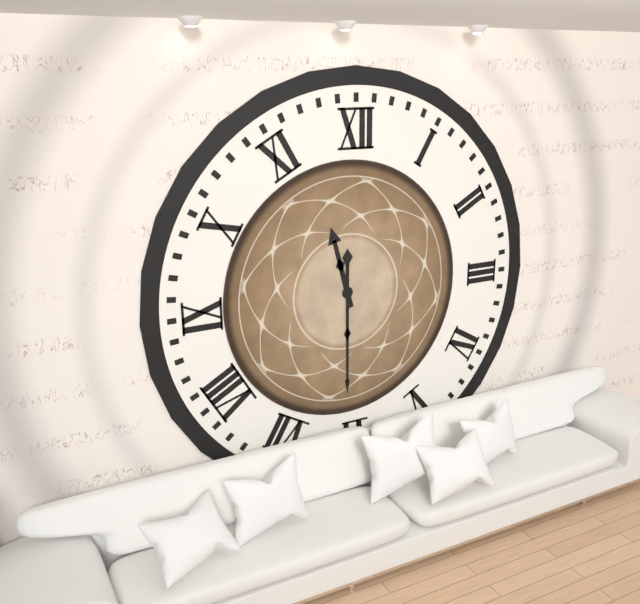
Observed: **11:30**
